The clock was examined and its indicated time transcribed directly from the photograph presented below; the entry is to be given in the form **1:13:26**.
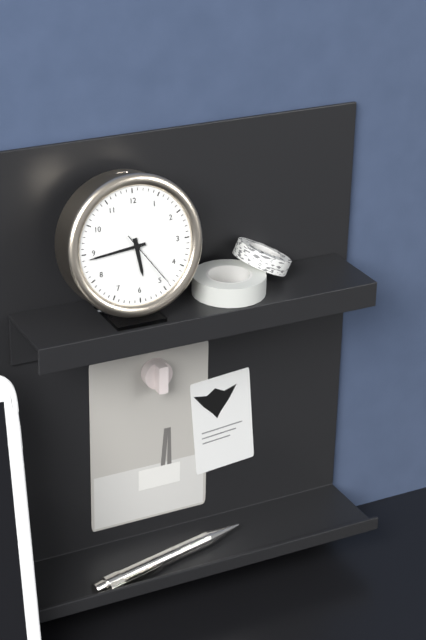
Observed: **5:44:24**
